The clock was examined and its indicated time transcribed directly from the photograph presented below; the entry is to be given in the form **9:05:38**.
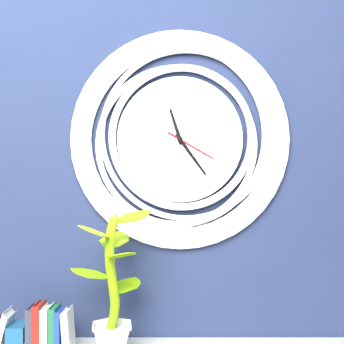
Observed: **11:24:20**
